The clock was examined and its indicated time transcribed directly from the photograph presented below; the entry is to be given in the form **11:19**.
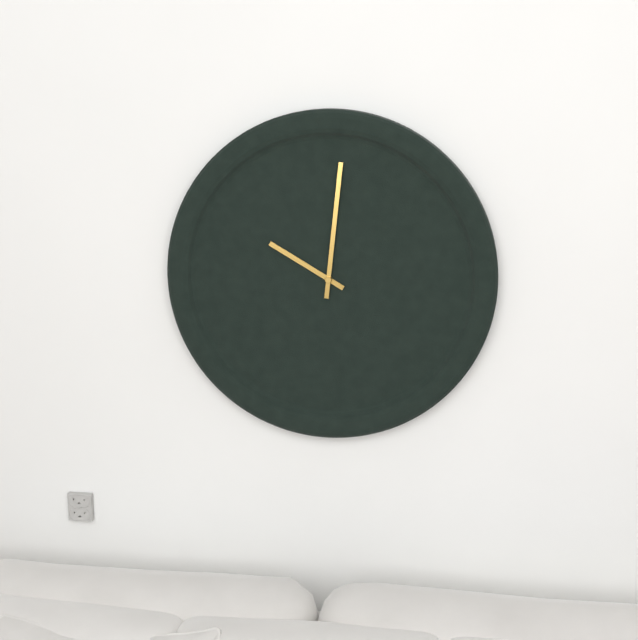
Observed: **10:01**
